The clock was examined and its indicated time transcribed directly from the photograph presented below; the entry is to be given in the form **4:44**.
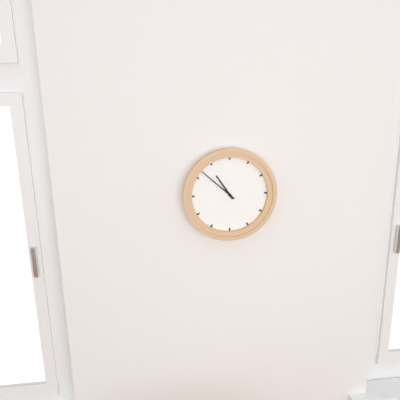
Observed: **10:52**
